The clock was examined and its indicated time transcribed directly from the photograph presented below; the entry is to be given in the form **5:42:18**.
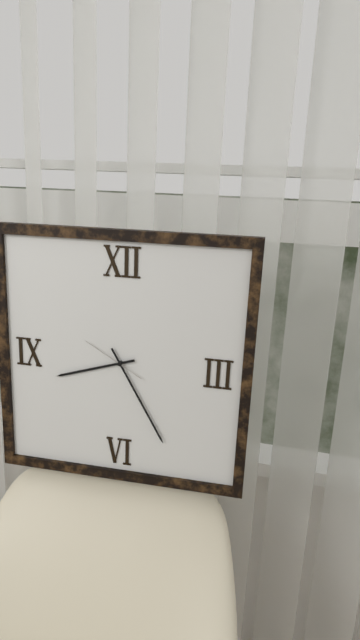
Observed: **8:25:50**
